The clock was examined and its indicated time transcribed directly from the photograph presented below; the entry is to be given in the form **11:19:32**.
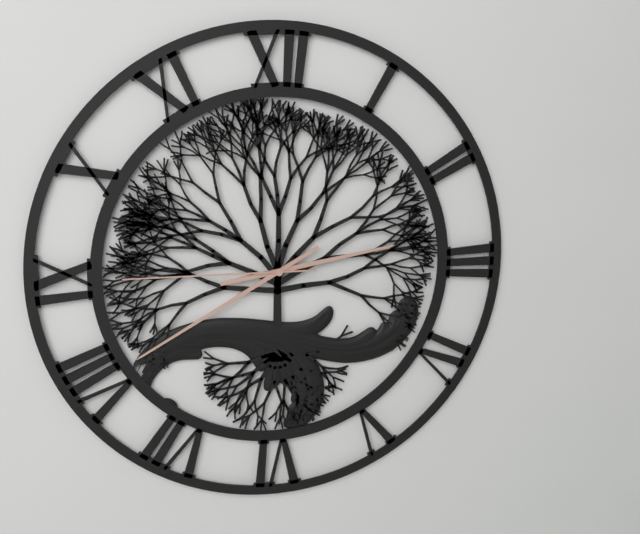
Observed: **2:40:45**
